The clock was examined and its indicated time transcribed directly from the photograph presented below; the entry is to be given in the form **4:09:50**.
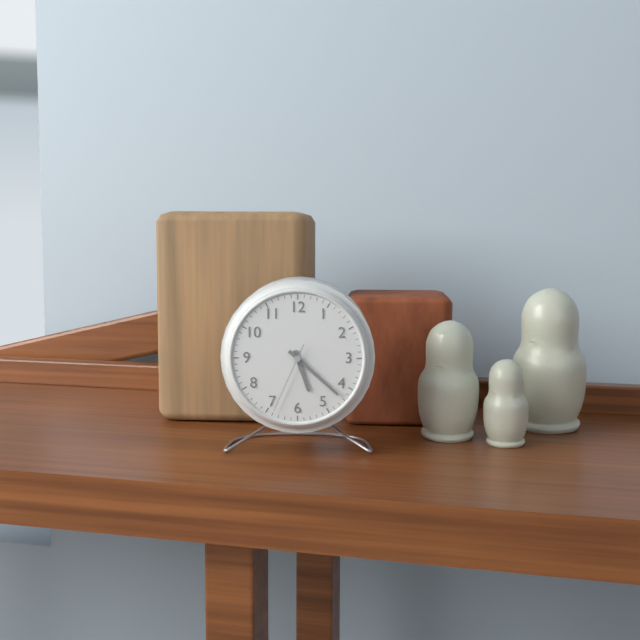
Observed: **5:22:34**
